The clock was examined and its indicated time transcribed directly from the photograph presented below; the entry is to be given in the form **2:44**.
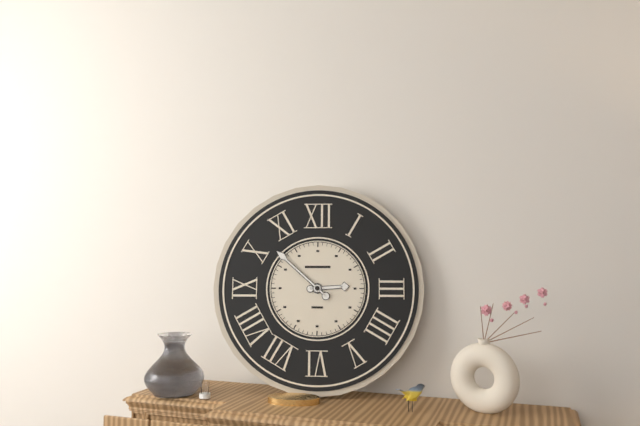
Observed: **2:52**
